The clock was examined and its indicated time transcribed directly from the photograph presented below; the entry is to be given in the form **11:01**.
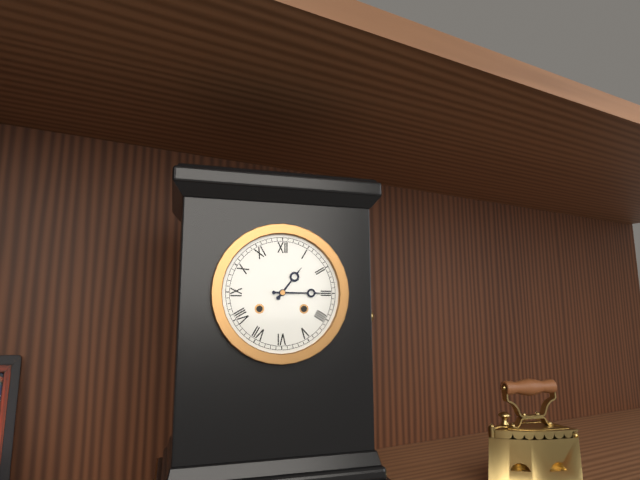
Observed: **1:15**
